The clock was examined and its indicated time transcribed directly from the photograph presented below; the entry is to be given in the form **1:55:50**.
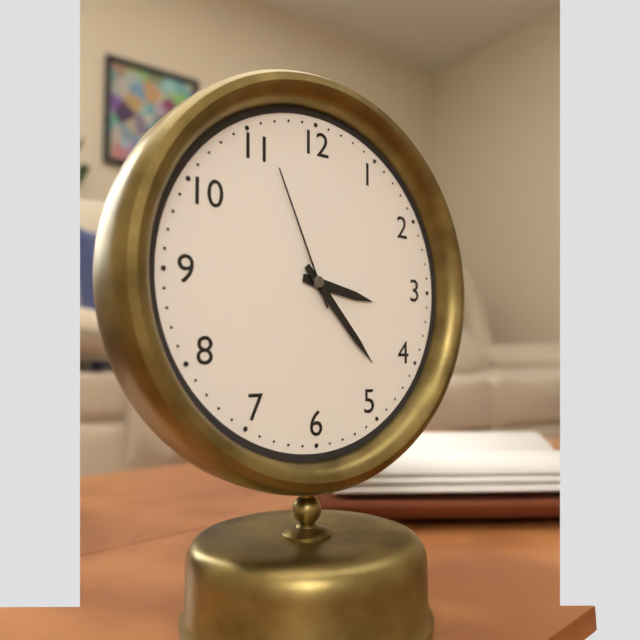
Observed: **3:23:56**
